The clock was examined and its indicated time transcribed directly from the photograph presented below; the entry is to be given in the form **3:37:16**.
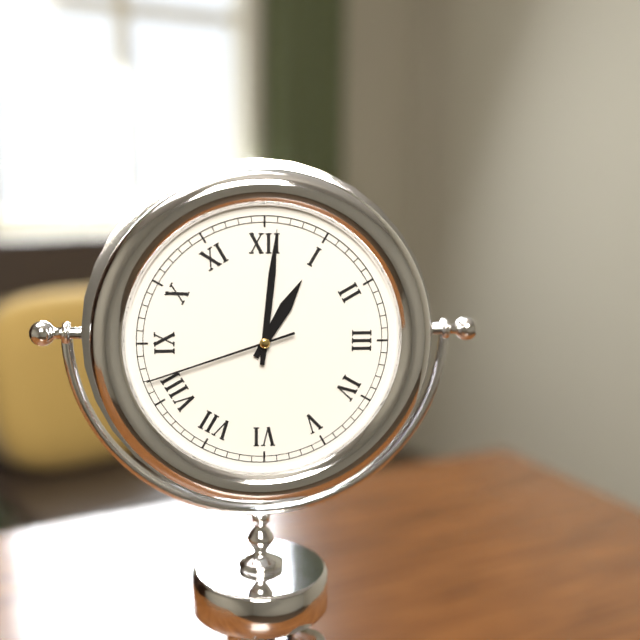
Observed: **1:01:42**
